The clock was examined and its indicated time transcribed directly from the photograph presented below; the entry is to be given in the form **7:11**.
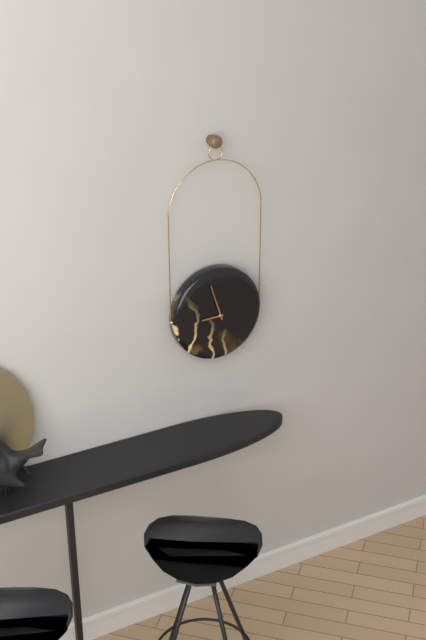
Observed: **8:57**
